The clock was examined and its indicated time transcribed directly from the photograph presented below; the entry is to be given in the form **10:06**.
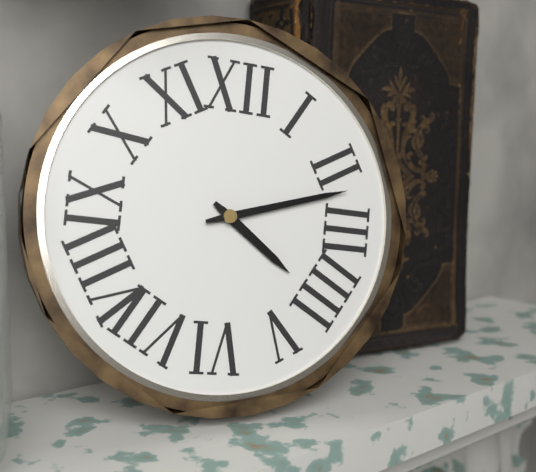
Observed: **4:12**
